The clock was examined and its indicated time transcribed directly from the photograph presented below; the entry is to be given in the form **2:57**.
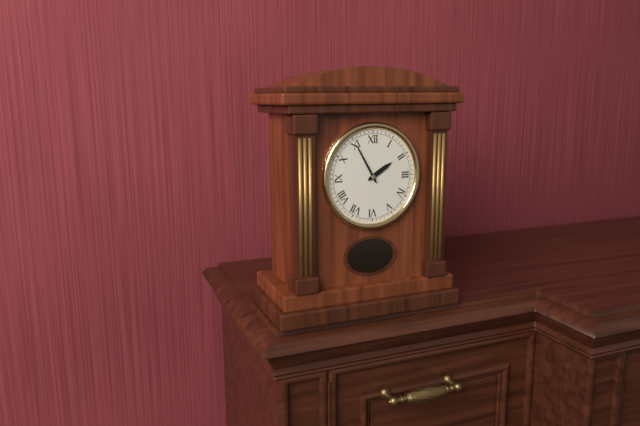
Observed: **1:55**
